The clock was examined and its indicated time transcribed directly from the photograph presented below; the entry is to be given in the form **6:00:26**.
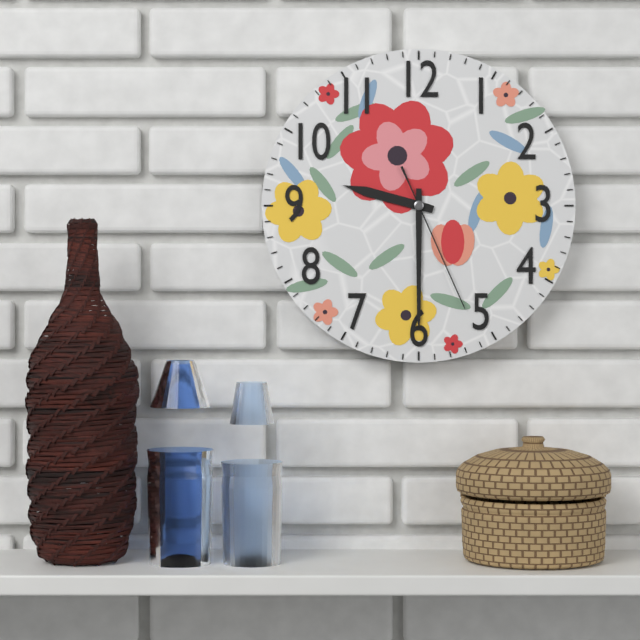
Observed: **9:30:26**
